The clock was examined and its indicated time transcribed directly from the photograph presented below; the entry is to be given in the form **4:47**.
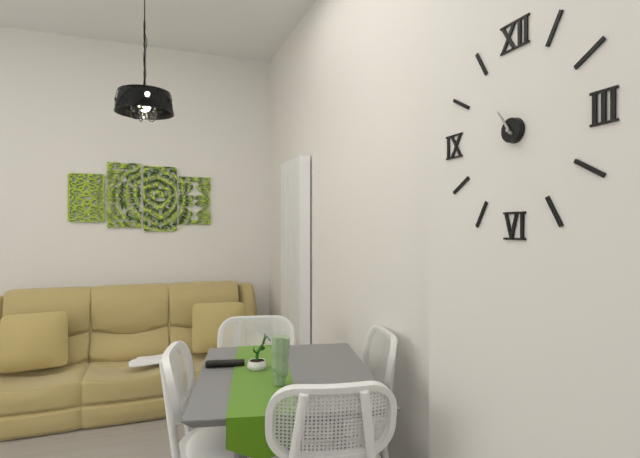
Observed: **10:54**
